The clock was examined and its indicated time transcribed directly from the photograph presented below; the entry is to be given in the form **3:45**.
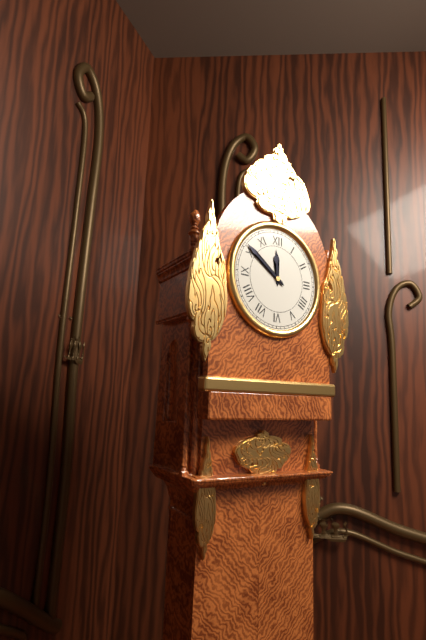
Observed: **11:51**
